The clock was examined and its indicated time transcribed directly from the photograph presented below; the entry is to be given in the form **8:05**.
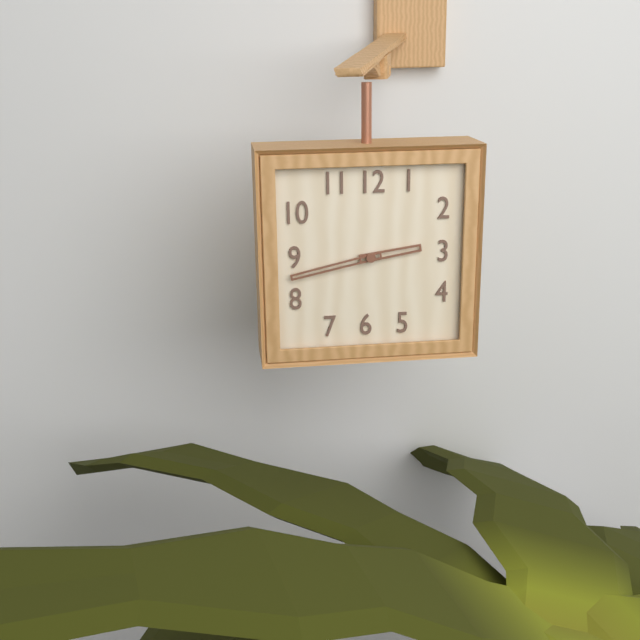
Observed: **2:43**
